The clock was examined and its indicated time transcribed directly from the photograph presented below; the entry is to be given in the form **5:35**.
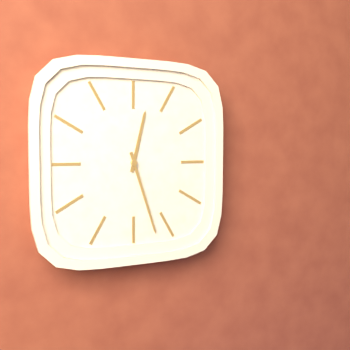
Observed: **12:27**
